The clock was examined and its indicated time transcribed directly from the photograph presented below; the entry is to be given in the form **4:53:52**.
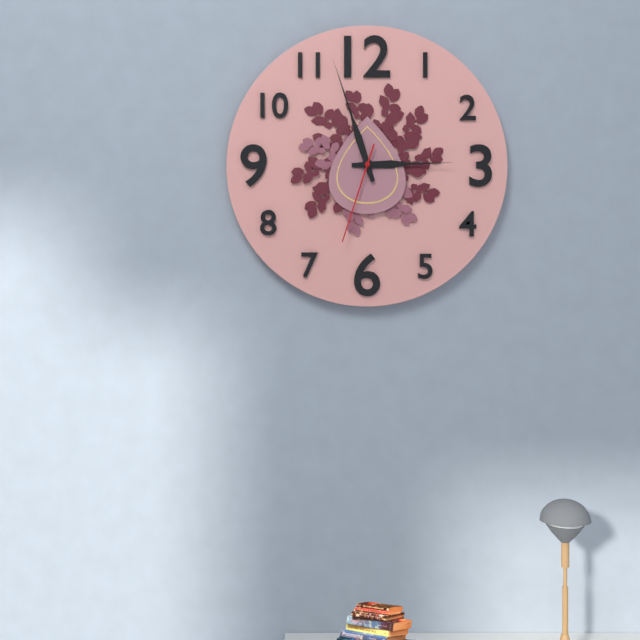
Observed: **2:57:33**
